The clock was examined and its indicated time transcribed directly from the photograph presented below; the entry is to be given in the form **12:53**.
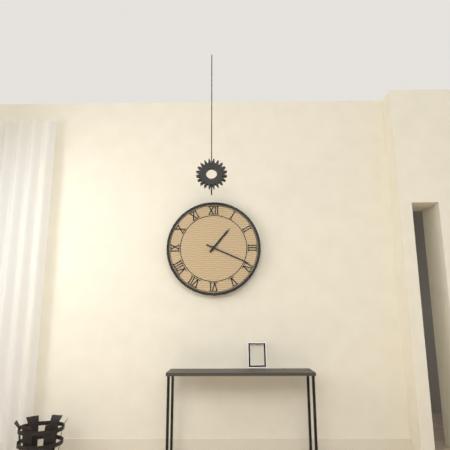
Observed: **1:19**
